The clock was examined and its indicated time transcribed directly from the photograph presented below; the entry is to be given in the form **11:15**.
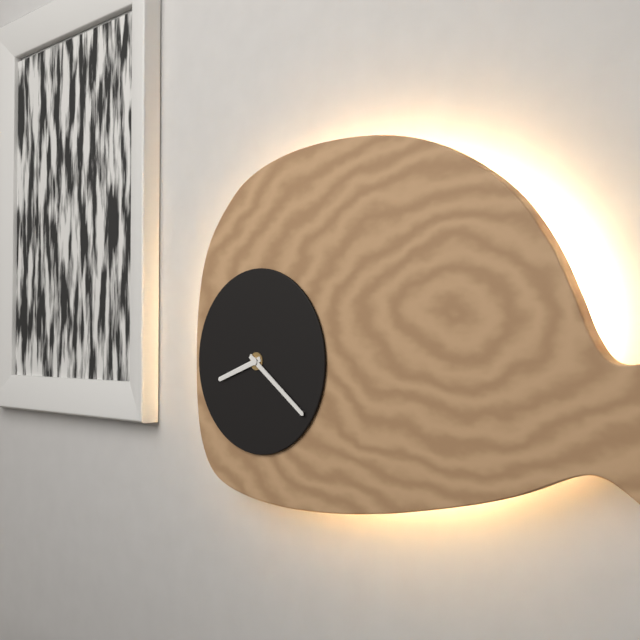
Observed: **8:21**
